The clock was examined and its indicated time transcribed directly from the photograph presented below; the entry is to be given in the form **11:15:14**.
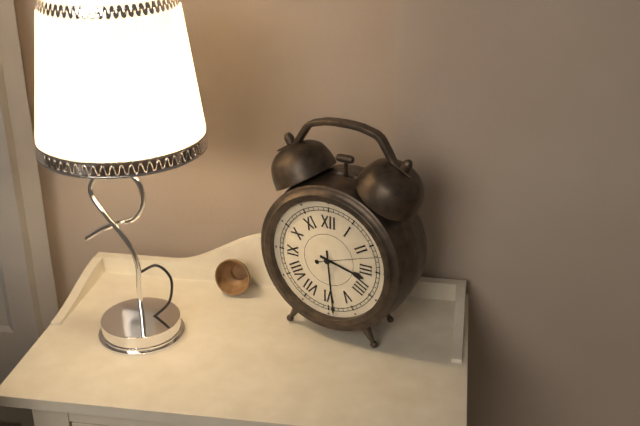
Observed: **3:29:12**
